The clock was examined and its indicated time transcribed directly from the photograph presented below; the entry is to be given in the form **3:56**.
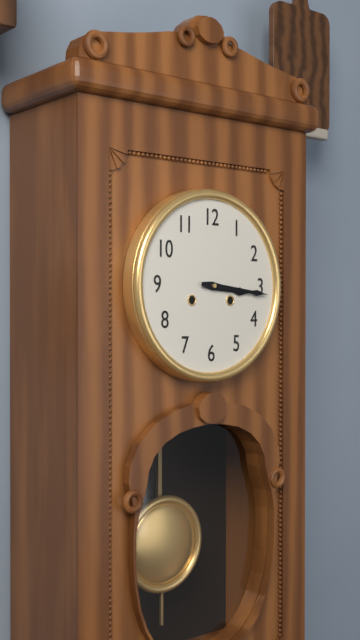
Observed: **3:16**
